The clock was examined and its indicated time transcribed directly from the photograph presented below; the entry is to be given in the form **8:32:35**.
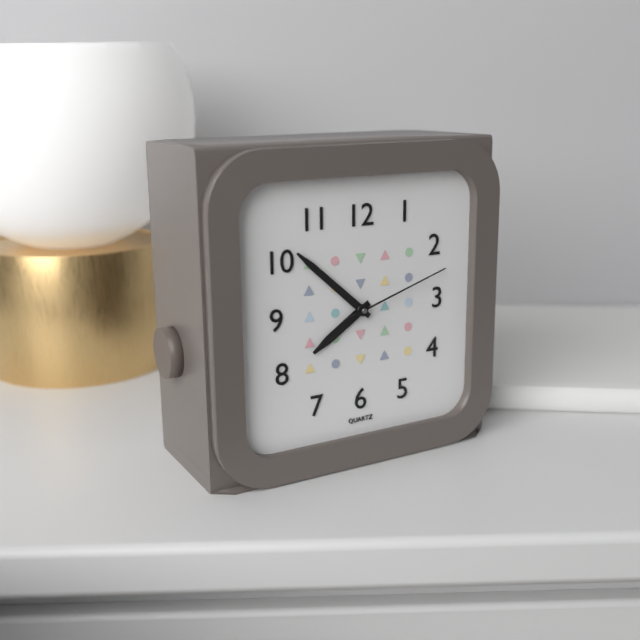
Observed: **7:52:12**
